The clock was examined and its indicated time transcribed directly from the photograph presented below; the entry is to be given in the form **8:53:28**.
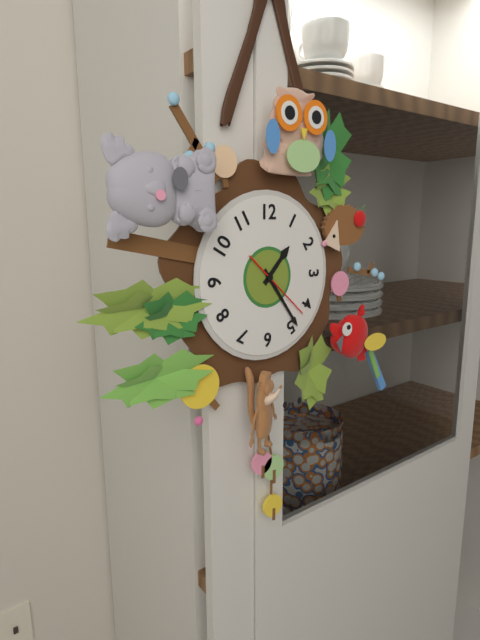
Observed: **1:24:22**
